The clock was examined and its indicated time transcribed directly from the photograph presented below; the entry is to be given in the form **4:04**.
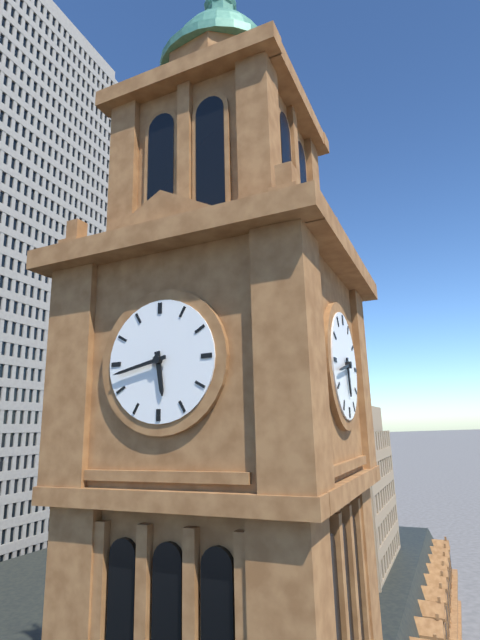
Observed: **5:43**
